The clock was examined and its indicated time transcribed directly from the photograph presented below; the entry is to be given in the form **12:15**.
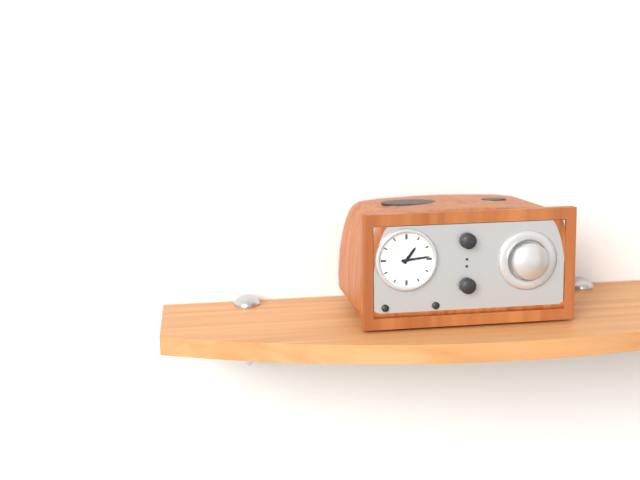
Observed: **1:14**
